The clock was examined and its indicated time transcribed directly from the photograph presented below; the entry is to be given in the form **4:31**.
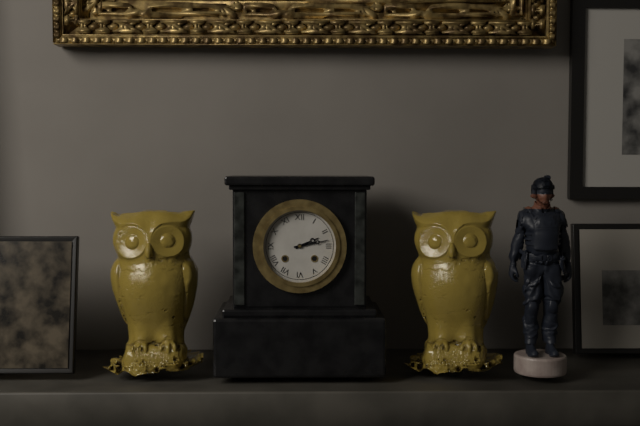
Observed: **2:13**
